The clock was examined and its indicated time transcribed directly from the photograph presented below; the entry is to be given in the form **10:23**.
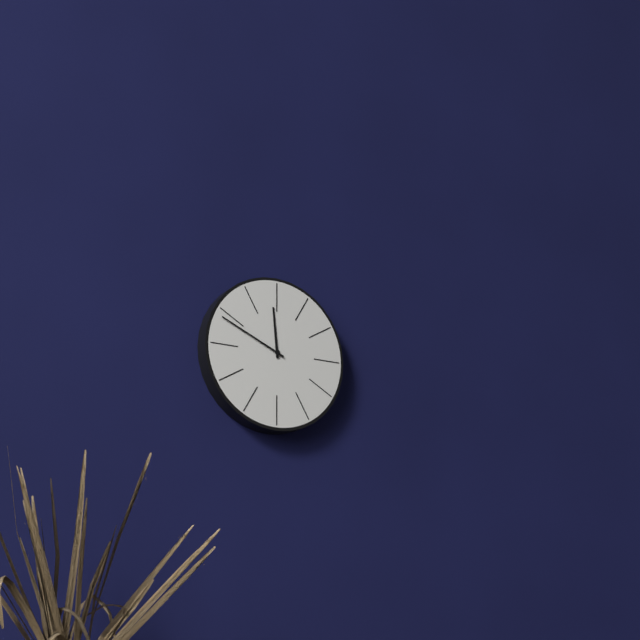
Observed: **11:49**
